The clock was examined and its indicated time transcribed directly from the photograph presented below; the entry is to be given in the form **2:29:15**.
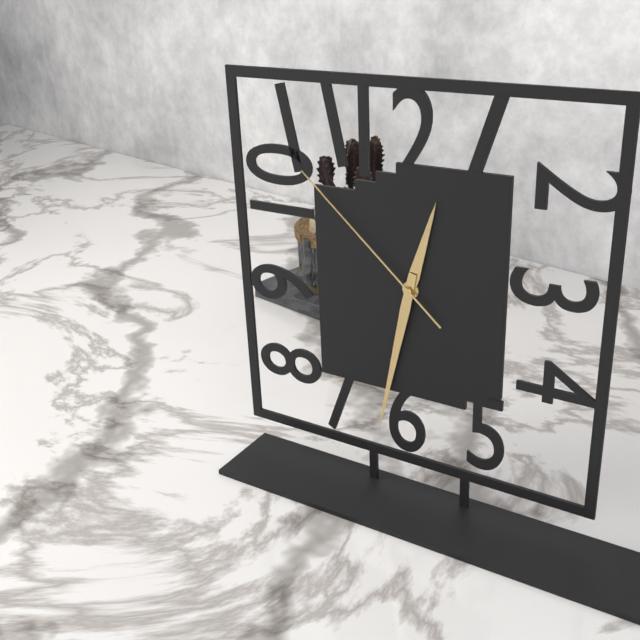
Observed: **12:32:52**
